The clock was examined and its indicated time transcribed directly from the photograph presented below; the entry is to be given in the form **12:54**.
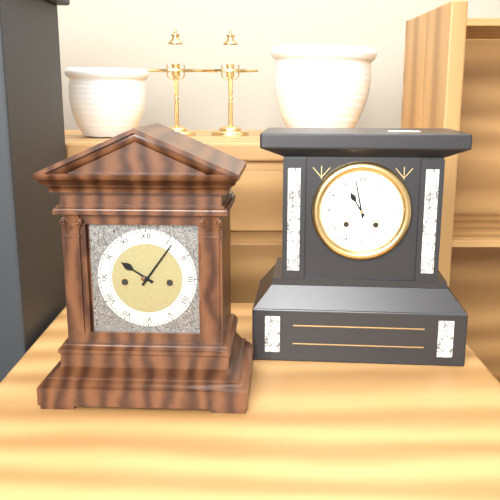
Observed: **10:06**
